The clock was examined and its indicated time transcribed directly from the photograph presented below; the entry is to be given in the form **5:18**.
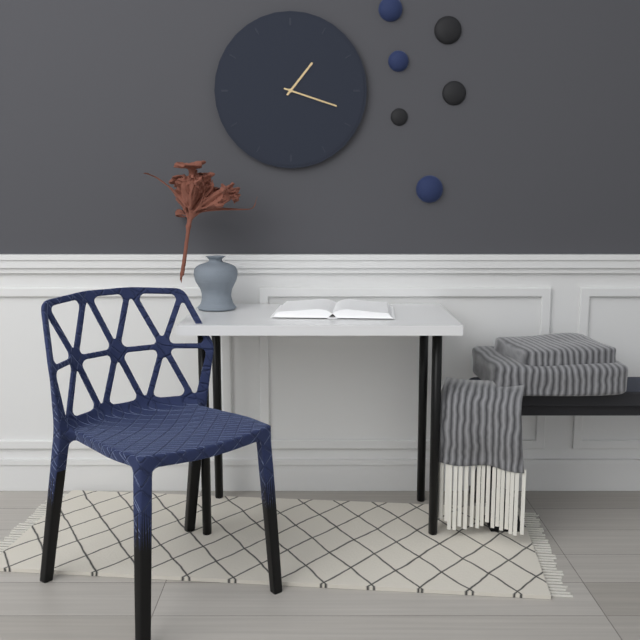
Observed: **1:18**
